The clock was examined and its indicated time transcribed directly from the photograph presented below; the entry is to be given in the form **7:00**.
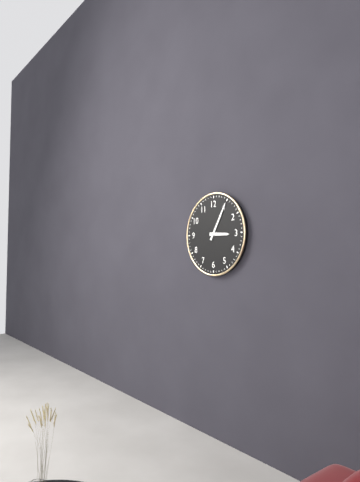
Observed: **3:05**
